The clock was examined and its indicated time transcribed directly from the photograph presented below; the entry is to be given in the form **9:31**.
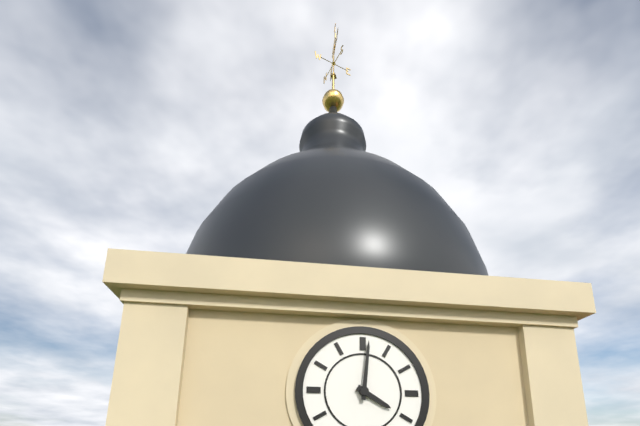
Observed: **4:01**
